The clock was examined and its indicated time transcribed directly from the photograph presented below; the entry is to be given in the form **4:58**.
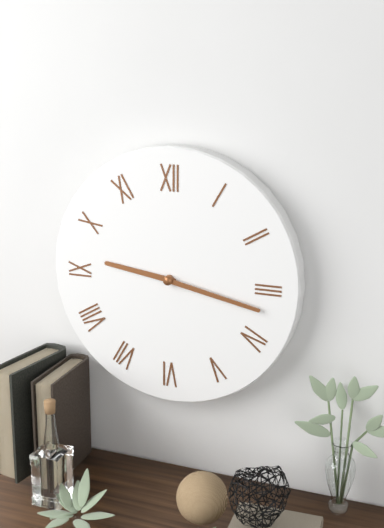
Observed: **9:17**
